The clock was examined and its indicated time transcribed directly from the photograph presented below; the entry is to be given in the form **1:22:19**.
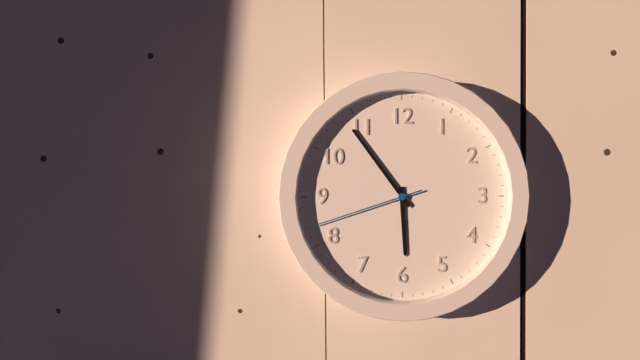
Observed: **5:54:42**
